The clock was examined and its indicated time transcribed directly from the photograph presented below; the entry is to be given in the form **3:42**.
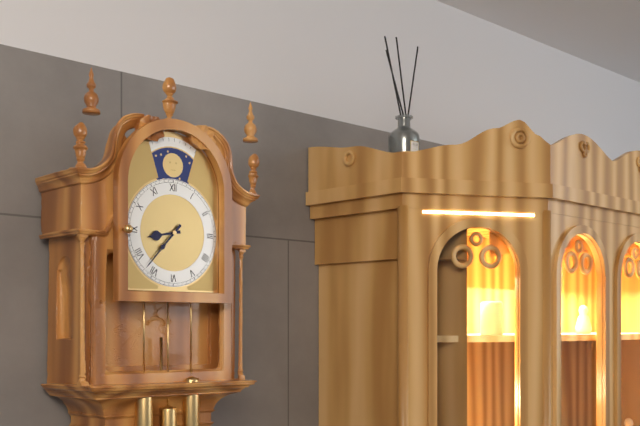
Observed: **8:37**
